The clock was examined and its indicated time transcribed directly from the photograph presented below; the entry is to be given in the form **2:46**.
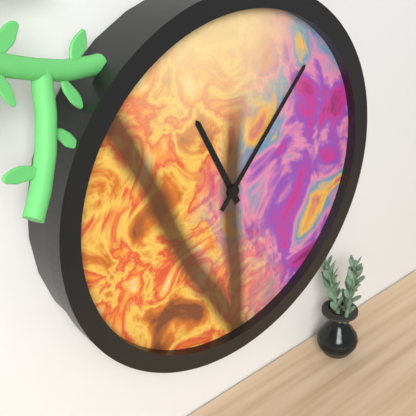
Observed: **11:07**
